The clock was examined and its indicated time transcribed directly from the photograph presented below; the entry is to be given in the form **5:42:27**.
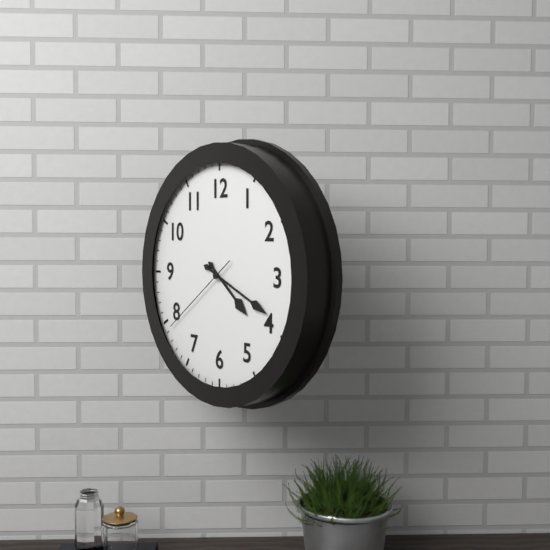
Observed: **4:19:39**
